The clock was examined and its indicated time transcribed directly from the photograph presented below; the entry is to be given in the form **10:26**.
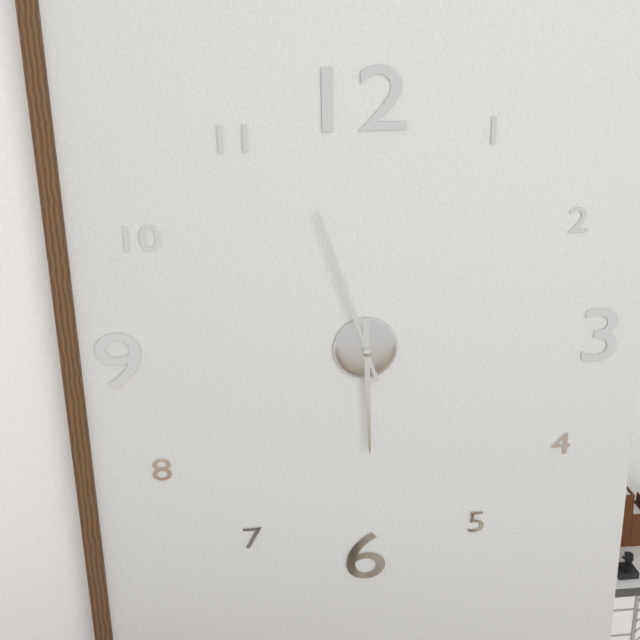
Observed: **5:57**
